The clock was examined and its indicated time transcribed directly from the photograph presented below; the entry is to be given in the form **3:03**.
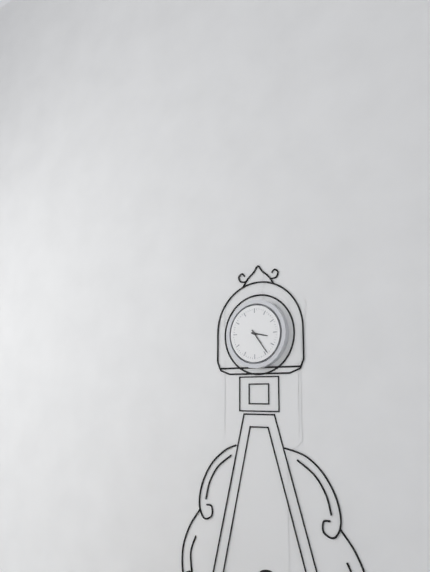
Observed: **3:24**
